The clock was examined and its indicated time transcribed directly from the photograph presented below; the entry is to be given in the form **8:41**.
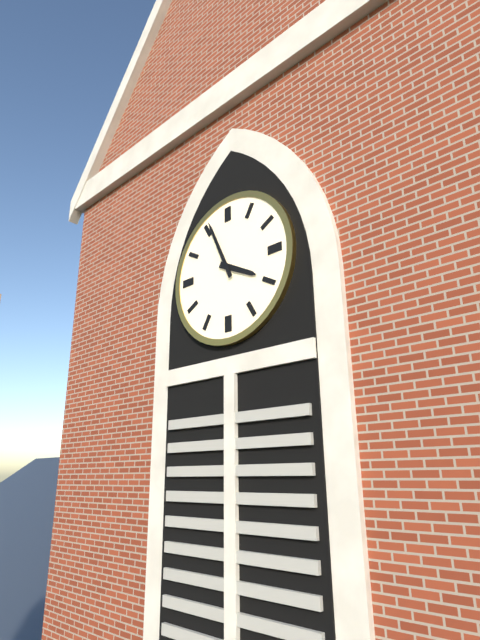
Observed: **3:56**
